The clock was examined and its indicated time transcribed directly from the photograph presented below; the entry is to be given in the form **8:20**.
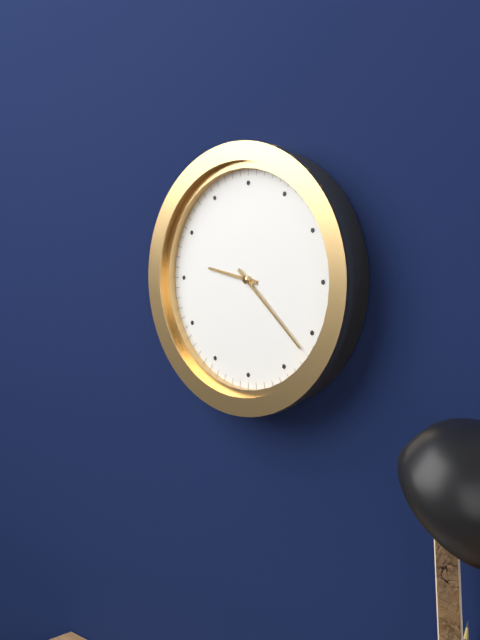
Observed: **9:22**
